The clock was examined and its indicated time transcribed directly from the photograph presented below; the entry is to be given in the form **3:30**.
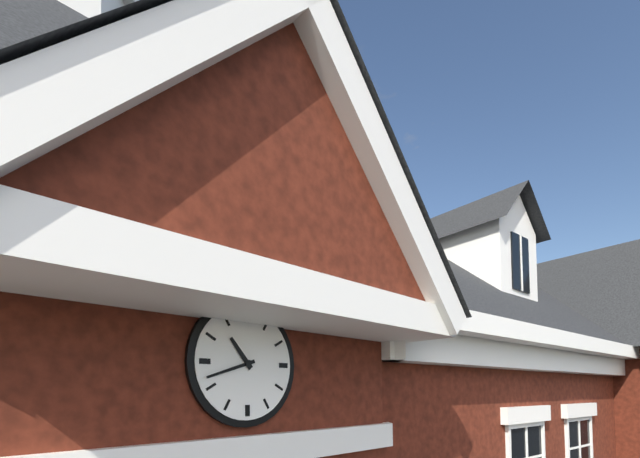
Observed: **10:42**
